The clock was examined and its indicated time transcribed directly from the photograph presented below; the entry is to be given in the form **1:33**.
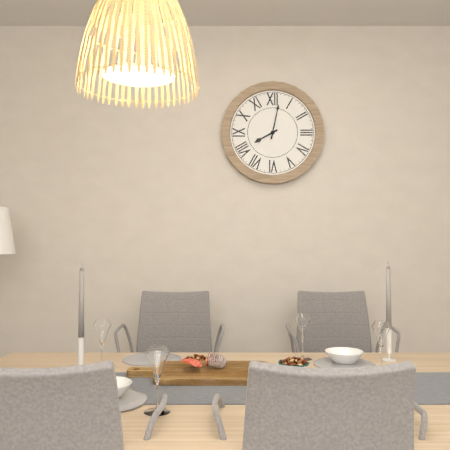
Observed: **8:02**
